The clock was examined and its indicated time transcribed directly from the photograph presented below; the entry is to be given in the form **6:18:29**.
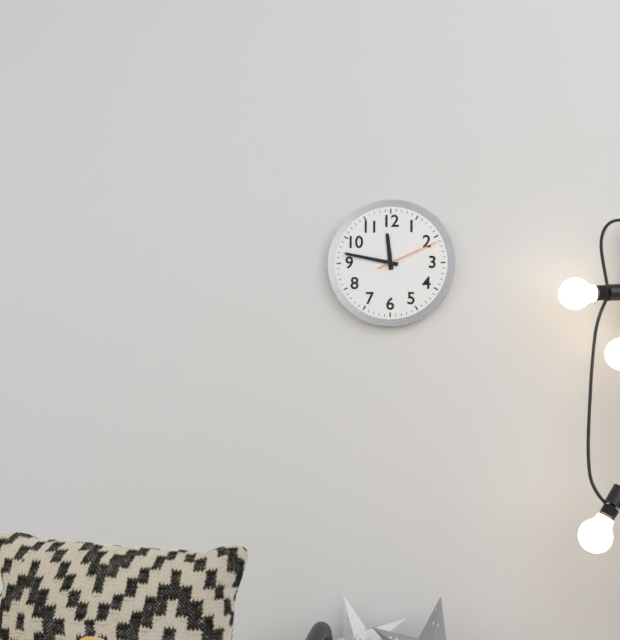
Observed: **11:47:11**
